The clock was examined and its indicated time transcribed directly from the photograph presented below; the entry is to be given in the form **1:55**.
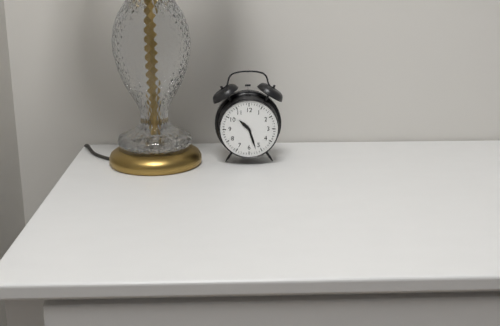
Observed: **10:27**
